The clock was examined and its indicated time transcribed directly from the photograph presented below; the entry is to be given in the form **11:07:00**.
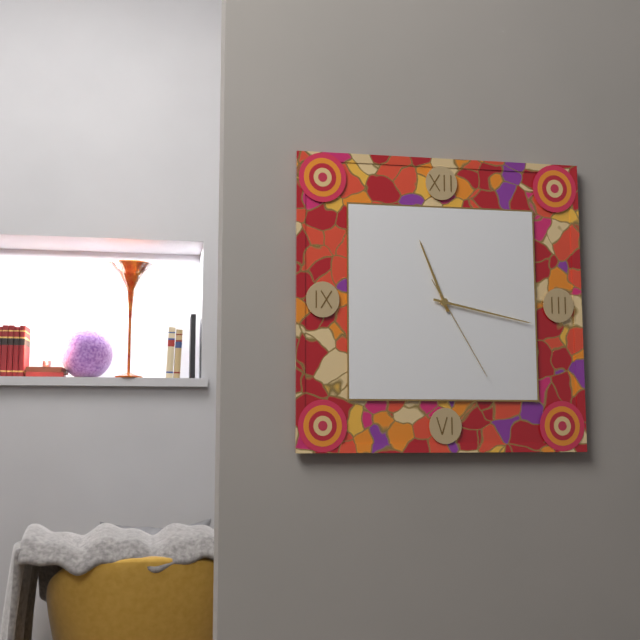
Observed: **11:17:25**
